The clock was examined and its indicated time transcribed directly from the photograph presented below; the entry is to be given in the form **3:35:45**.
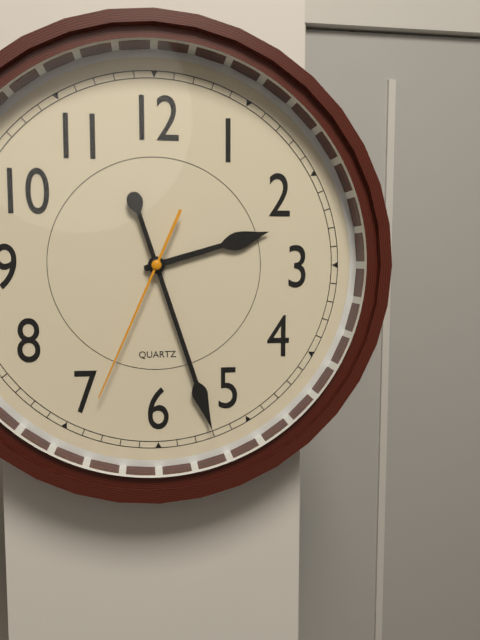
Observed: **2:27:34**
